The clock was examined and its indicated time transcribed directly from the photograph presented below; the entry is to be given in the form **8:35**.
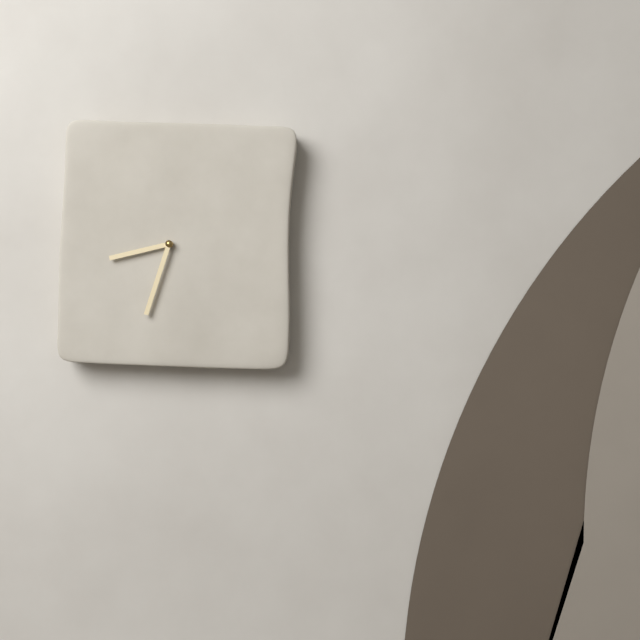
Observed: **8:33**
